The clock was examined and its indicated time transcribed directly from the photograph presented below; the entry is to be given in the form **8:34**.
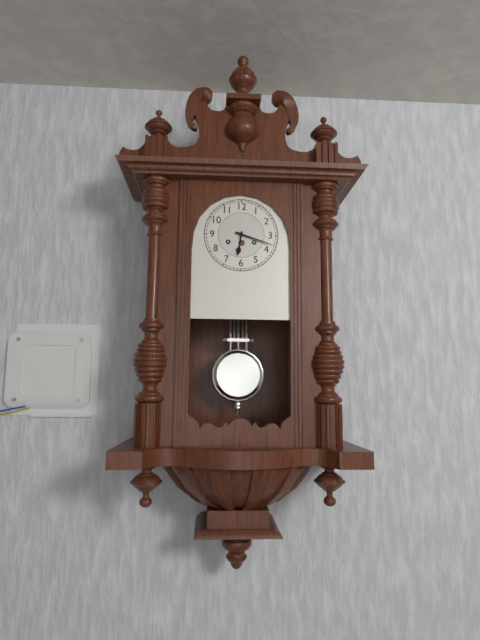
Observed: **6:18**
